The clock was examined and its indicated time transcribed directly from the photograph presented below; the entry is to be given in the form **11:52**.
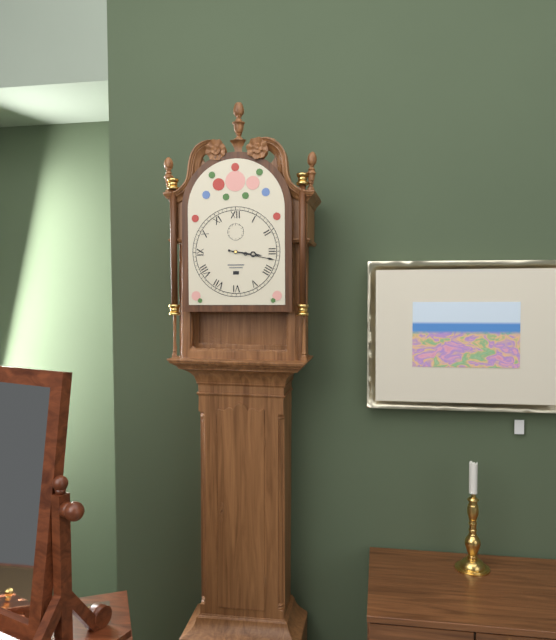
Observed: **3:17**
